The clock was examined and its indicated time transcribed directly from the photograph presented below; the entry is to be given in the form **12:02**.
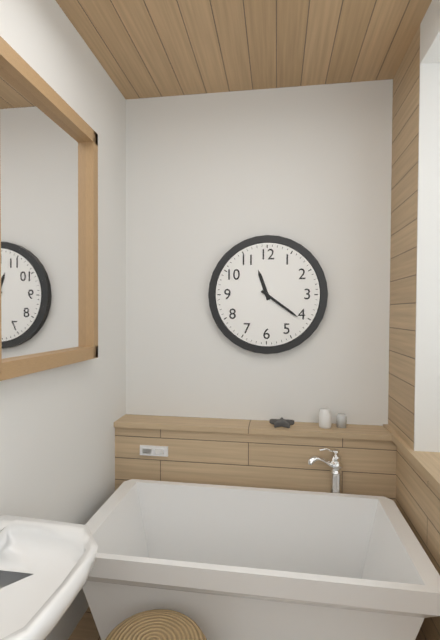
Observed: **11:21**
